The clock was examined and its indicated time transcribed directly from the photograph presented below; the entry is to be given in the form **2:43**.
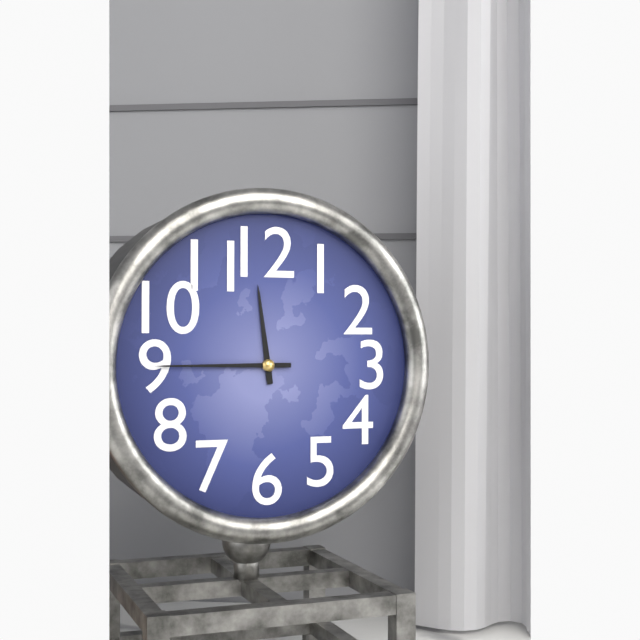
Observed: **11:45**
